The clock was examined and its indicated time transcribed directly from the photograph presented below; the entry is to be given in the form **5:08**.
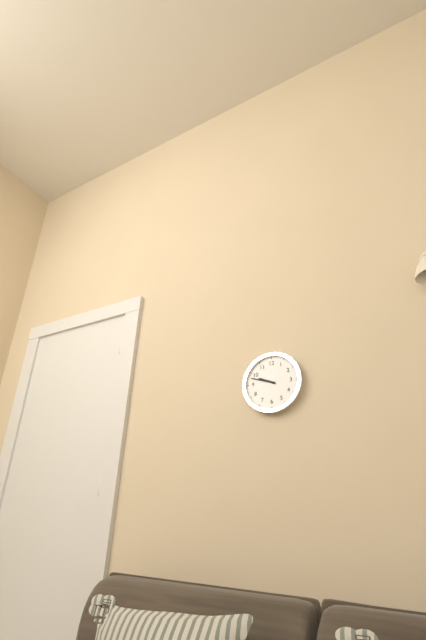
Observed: **9:48**
